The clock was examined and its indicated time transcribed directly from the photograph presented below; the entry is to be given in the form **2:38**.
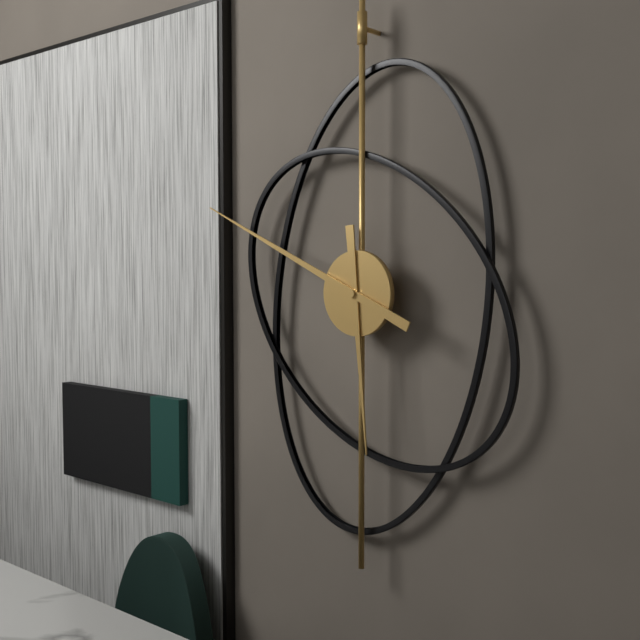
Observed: **5:49**
